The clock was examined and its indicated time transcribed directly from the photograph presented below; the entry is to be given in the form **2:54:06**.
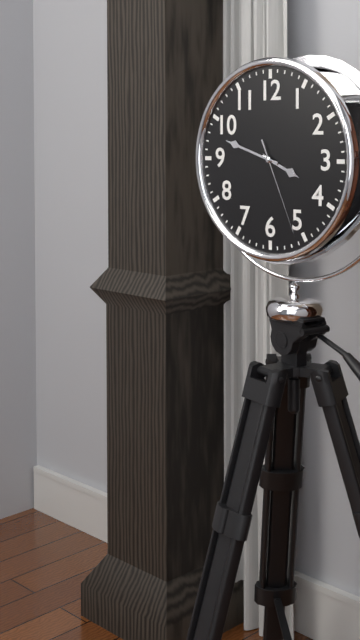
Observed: **3:48:26**
